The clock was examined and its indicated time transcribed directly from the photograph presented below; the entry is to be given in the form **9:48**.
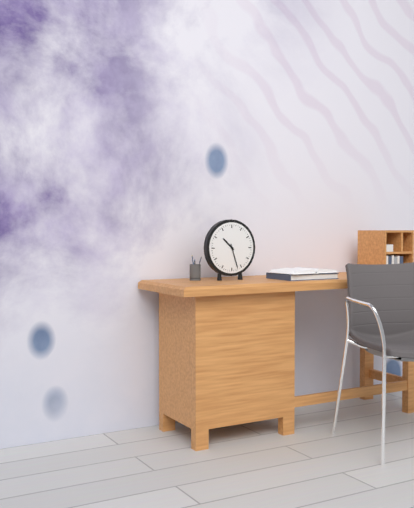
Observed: **10:27**
